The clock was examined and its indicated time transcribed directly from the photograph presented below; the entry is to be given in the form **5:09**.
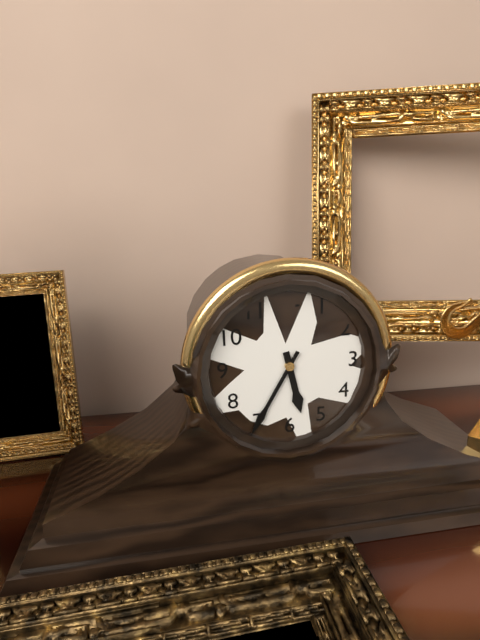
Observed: **5:35**
